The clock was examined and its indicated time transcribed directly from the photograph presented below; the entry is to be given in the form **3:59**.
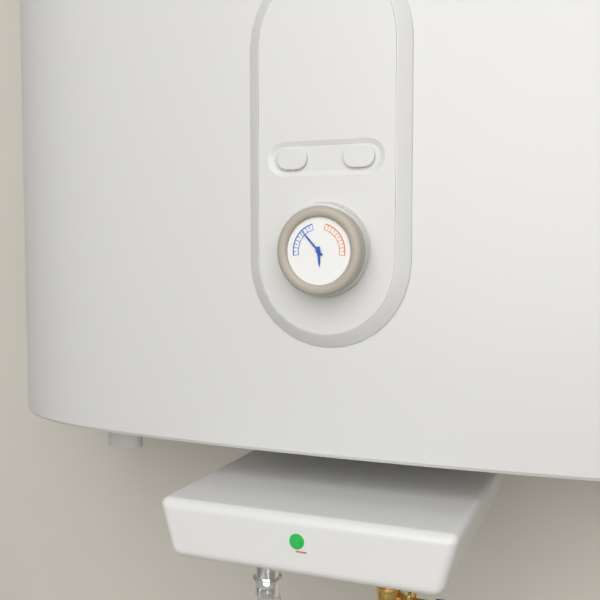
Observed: **5:53**
